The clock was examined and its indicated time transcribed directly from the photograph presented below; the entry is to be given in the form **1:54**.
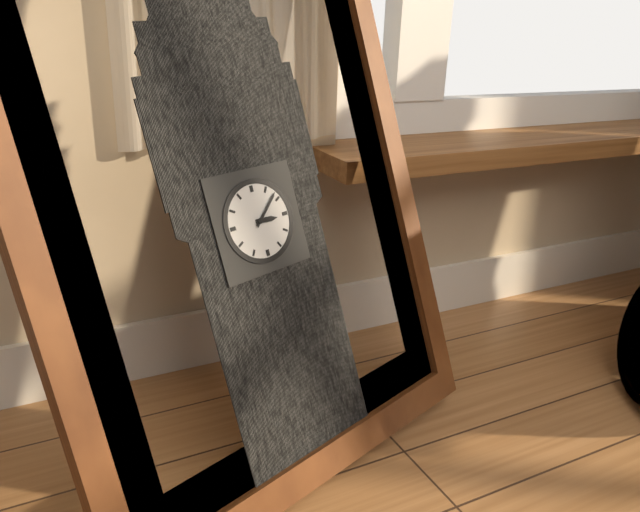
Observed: **3:08**
